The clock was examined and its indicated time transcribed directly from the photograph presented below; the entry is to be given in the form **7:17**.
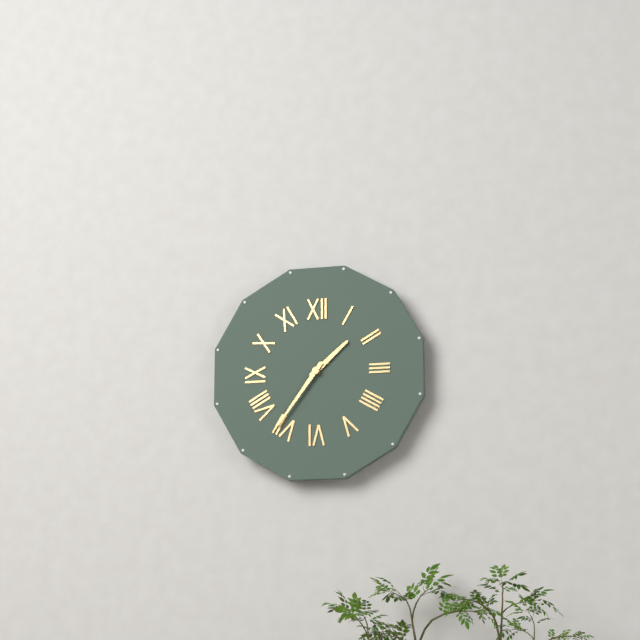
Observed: **1:36**
